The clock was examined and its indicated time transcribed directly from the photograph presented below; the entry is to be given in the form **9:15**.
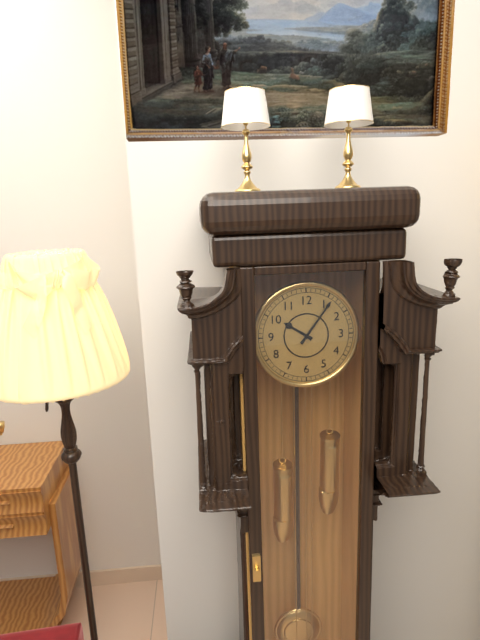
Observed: **10:06**
